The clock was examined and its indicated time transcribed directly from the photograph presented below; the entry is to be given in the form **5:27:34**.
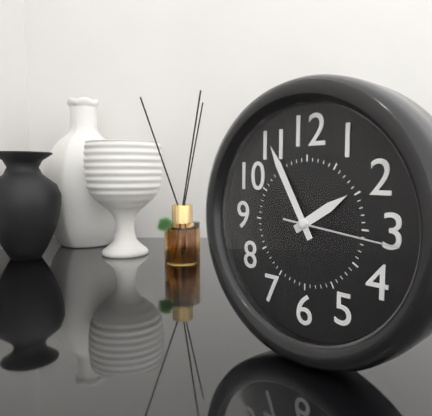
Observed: **1:55:16**
